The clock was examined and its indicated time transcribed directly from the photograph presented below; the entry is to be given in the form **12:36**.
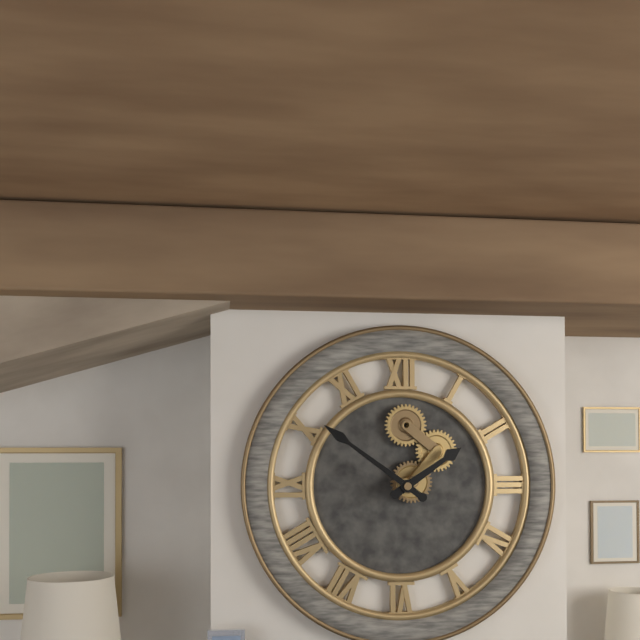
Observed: **1:51**
